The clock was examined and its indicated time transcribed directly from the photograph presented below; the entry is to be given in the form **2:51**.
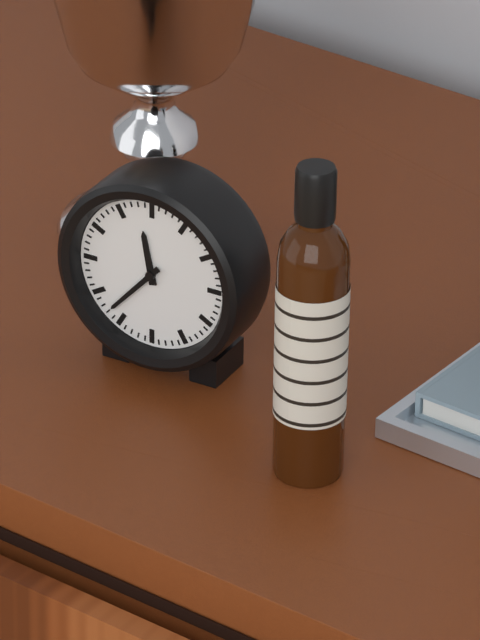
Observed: **11:37**
